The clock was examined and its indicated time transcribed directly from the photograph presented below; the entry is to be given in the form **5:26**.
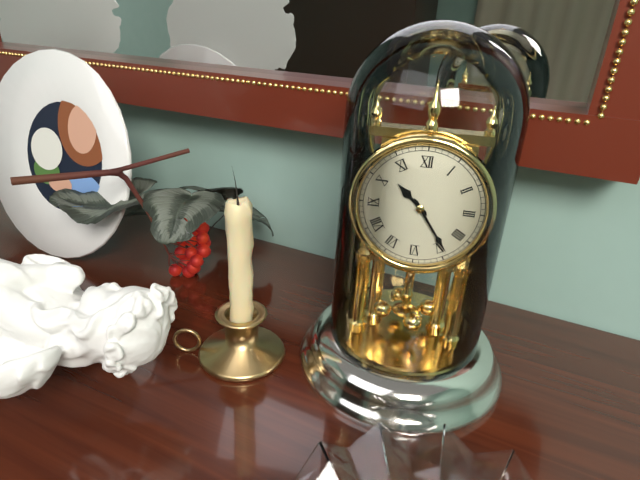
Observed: **10:24**
